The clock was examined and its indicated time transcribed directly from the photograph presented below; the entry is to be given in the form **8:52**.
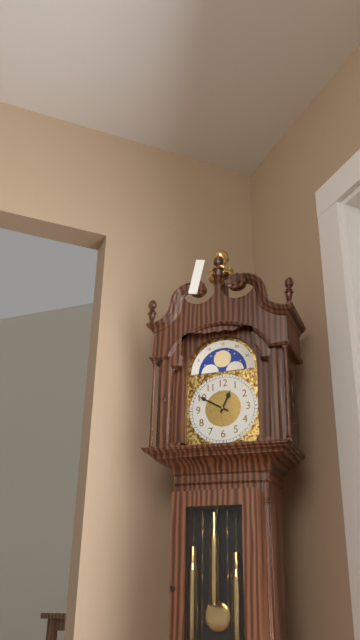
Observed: **12:50**
